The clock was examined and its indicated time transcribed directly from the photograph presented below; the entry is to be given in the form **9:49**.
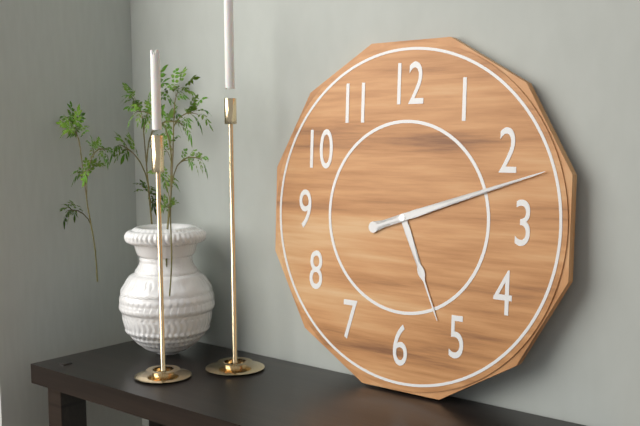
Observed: **5:12**
